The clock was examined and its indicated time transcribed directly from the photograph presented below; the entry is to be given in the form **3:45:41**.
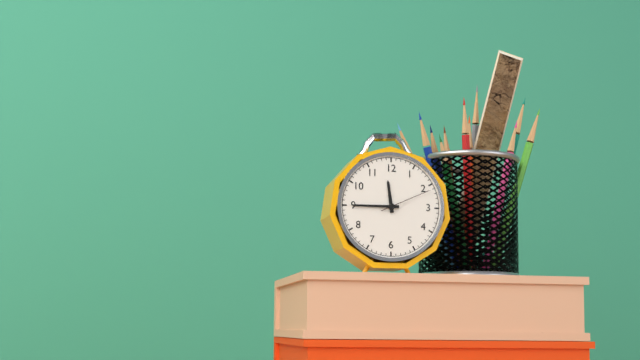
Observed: **11:45:11**
